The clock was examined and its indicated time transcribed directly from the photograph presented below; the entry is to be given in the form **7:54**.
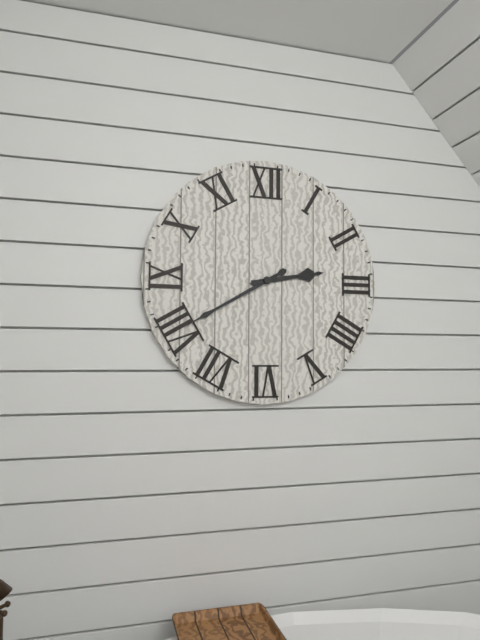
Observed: **2:40**
